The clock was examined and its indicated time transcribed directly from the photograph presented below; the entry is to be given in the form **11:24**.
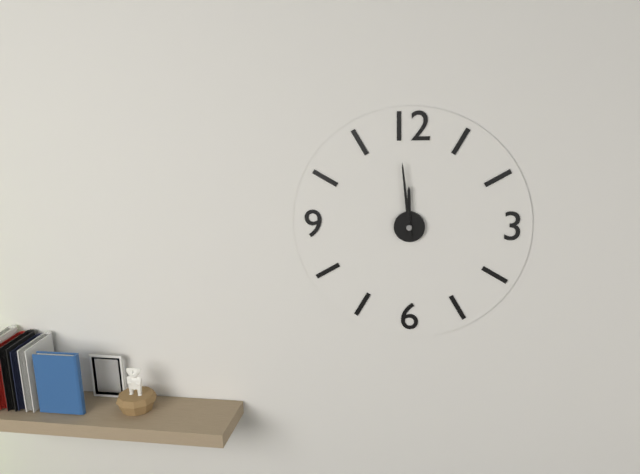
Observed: **11:59**
